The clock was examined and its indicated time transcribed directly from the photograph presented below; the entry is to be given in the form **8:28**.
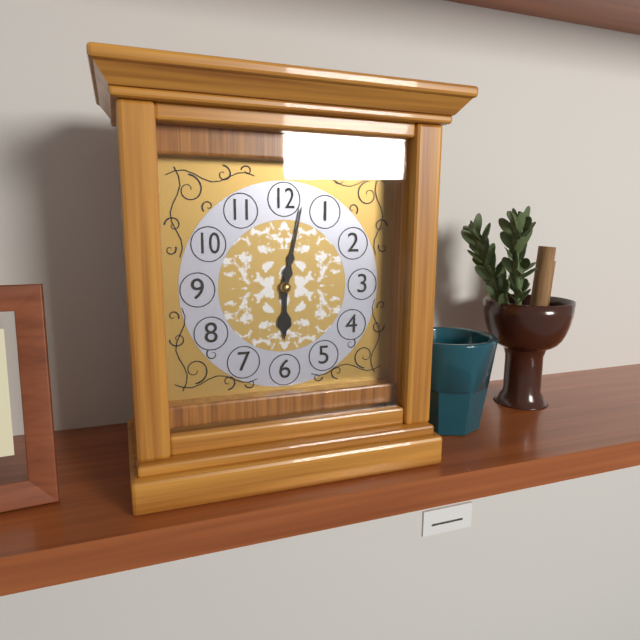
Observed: **6:02**
